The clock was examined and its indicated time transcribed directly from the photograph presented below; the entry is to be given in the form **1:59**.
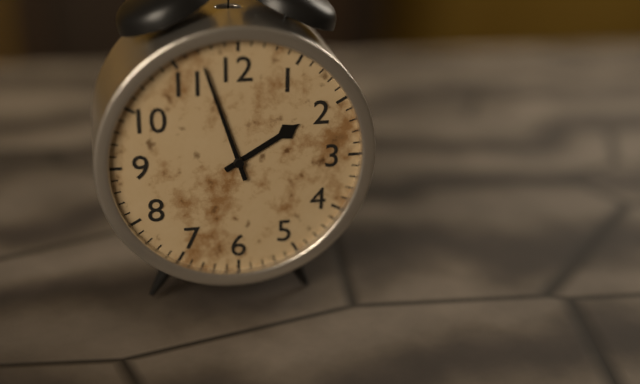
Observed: **1:57**
